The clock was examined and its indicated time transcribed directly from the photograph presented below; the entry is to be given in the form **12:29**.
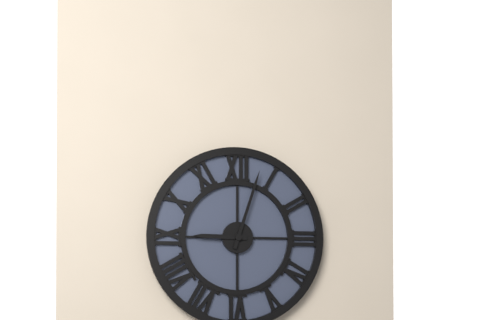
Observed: **9:03**
